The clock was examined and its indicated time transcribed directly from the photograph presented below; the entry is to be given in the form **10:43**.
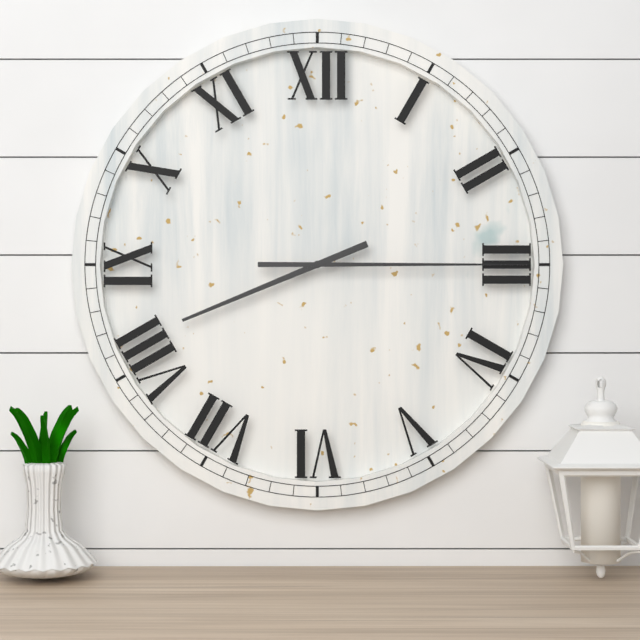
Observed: **8:15**
